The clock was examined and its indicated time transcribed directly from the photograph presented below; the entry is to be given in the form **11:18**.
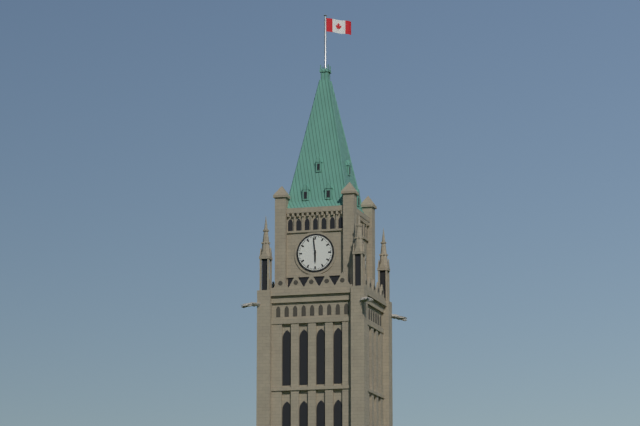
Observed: **5:59**
